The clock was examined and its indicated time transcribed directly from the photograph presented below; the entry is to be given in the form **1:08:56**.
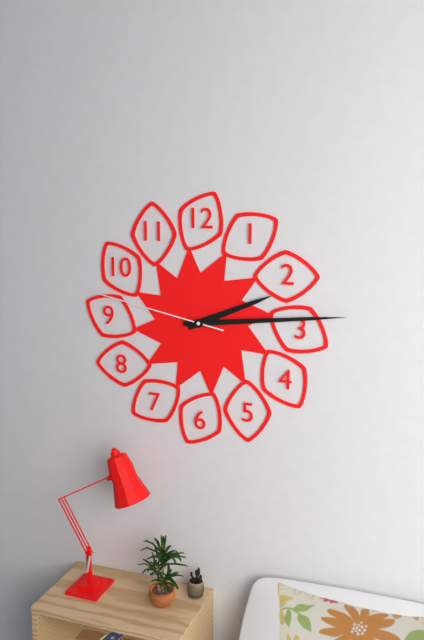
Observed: **2:14:47**
